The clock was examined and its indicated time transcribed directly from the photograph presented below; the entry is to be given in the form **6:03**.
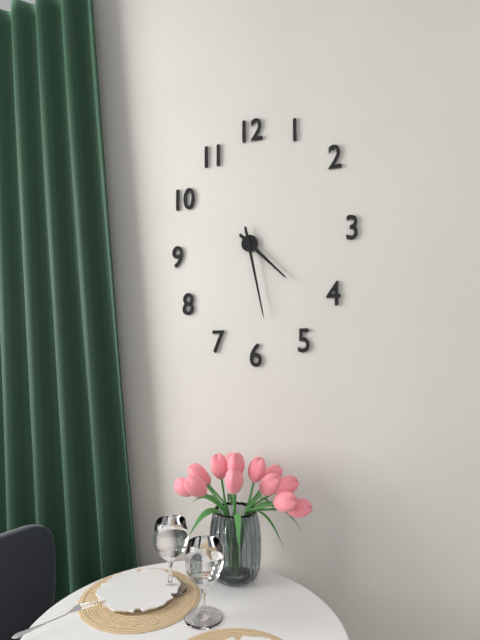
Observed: **4:28**
